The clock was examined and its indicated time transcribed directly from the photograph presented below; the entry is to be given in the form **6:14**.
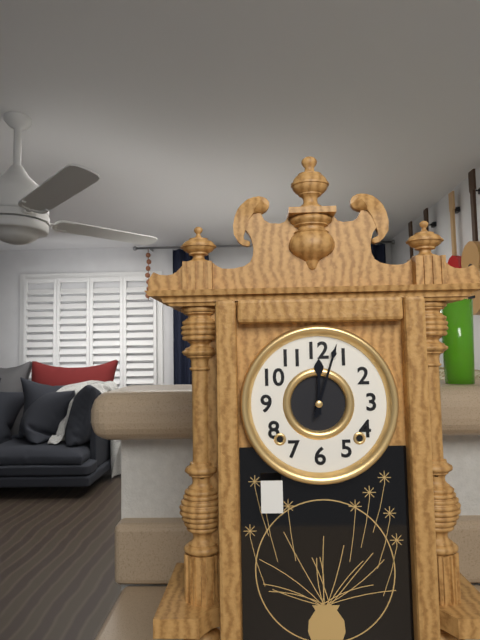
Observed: **12:03**
